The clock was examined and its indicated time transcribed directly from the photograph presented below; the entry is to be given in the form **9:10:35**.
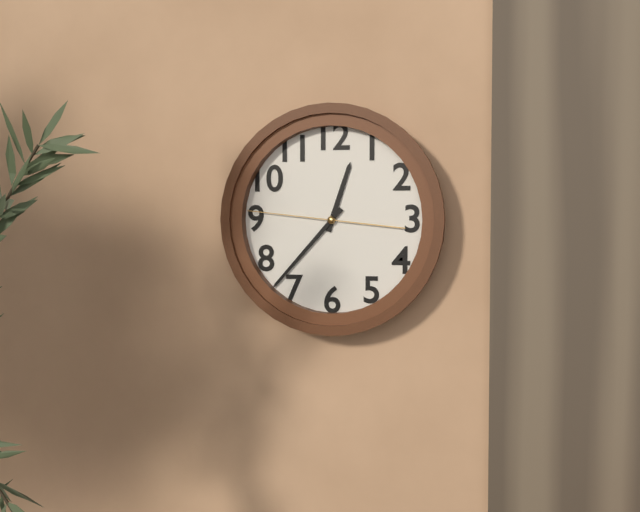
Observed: **12:37:46**
